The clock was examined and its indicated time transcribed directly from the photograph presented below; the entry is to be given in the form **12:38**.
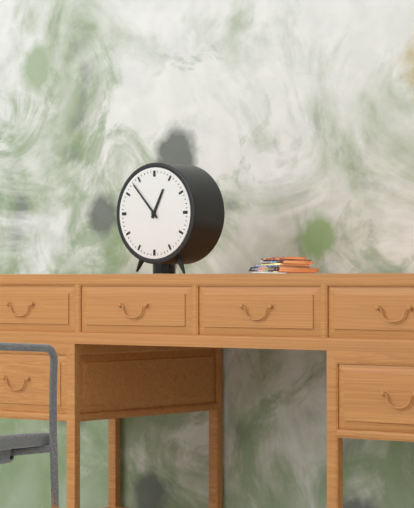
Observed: **12:53**
